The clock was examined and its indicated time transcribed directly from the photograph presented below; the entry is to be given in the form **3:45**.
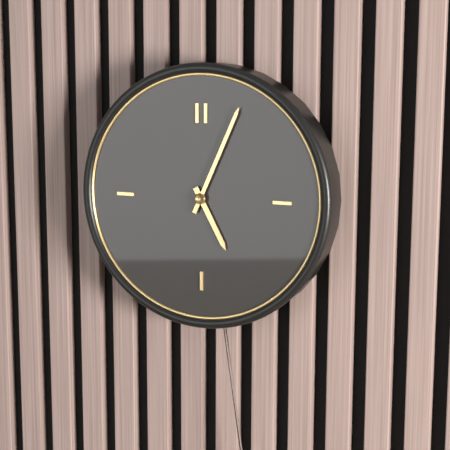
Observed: **5:04**
